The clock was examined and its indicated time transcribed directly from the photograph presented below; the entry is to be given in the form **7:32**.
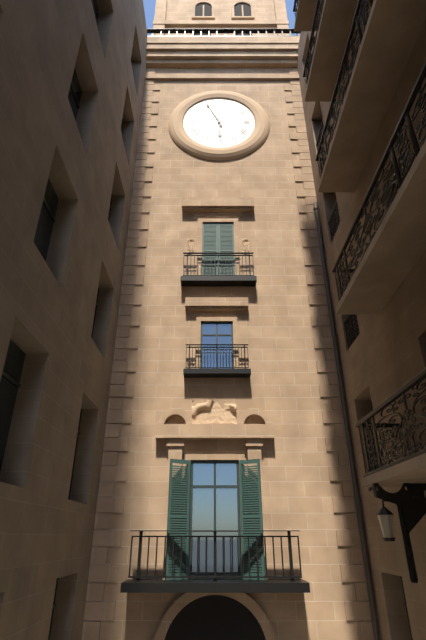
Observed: **5:56**
